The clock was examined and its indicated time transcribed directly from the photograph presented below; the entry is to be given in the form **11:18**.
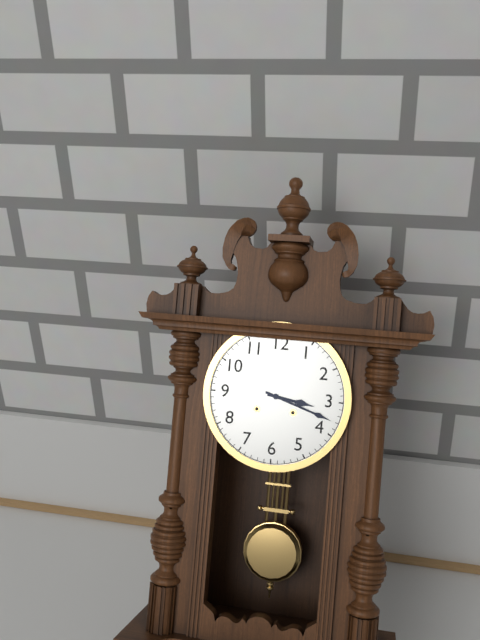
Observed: **3:18**
